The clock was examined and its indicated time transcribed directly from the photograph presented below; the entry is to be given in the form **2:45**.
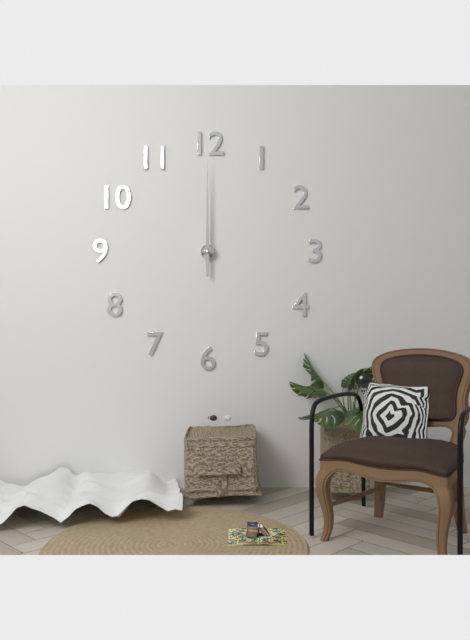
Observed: **12:00**
